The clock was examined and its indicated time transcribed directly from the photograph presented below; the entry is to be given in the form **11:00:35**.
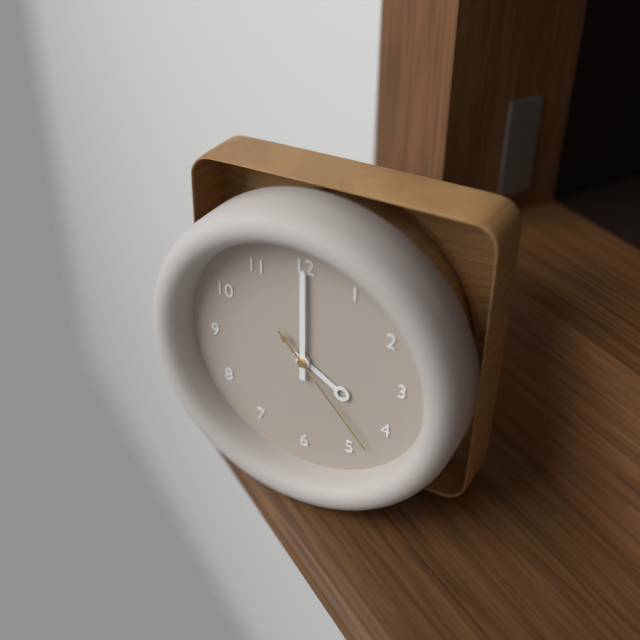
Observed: **4:00:23**
